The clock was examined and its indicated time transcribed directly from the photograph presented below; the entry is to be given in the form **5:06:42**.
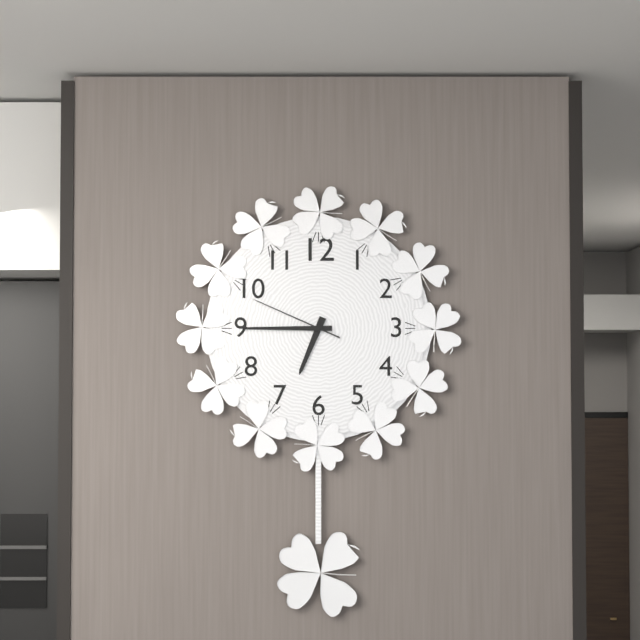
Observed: **6:45:49**
